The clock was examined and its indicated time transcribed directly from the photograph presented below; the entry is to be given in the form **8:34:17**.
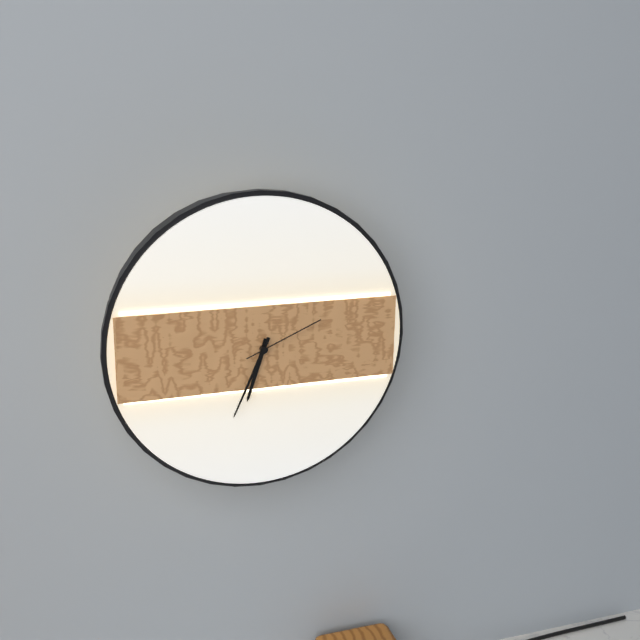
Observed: **6:34:11**
